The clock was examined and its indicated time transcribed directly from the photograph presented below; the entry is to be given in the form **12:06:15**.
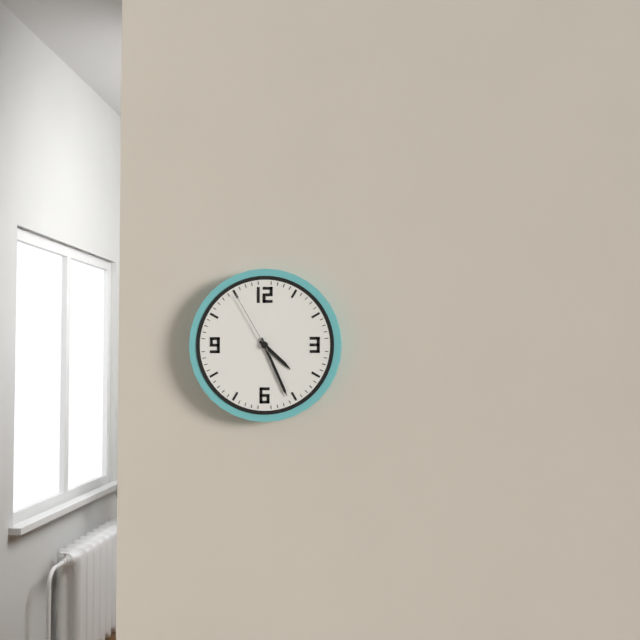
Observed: **4:26:55**
